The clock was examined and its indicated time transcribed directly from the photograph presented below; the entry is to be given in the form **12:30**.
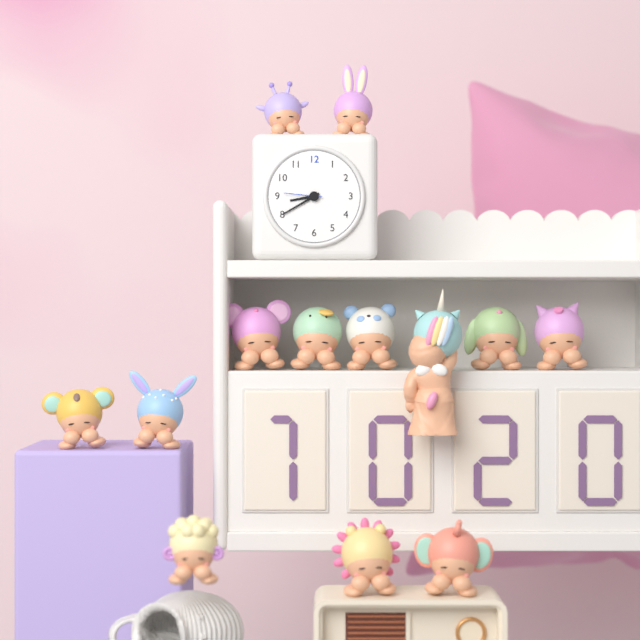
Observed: **8:40**
